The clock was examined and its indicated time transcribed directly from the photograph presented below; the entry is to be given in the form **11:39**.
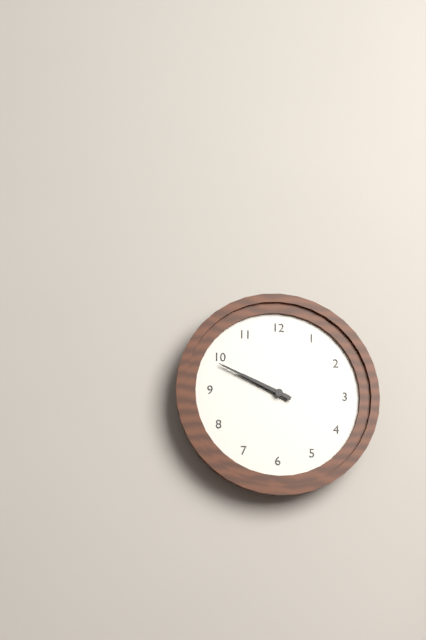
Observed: **9:49**
